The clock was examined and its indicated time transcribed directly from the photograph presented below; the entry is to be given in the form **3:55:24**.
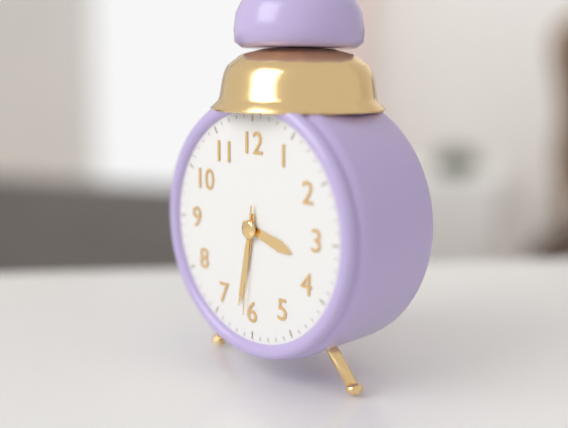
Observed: **3:32:31**
